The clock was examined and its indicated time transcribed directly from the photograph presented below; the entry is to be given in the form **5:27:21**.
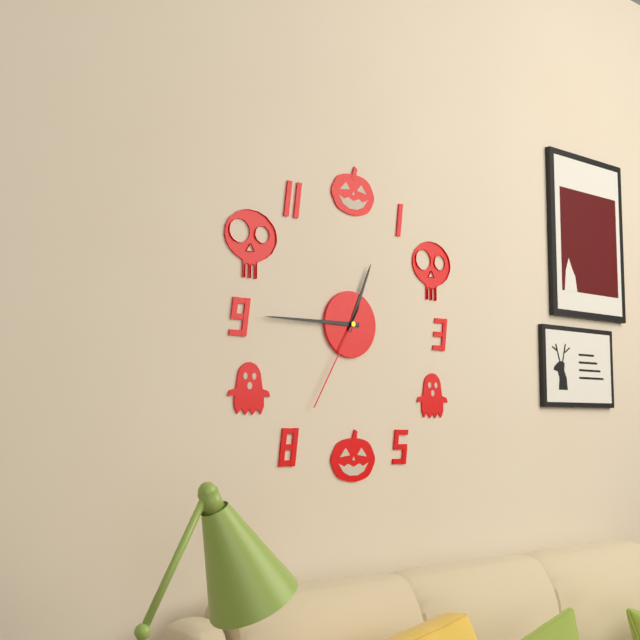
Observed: **12:45:35**
